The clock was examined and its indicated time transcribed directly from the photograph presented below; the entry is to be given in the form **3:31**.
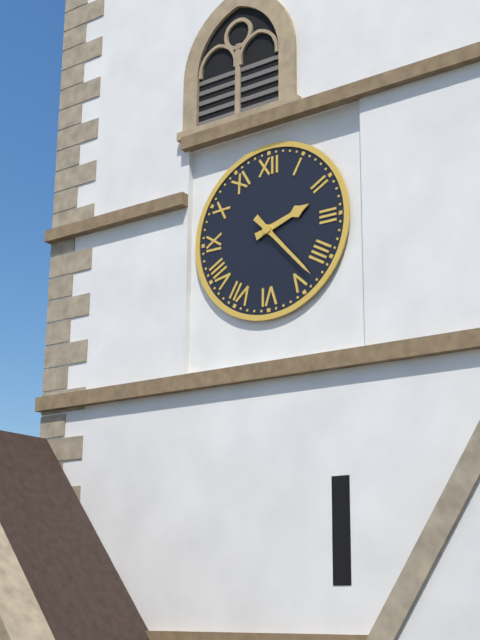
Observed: **2:23**
